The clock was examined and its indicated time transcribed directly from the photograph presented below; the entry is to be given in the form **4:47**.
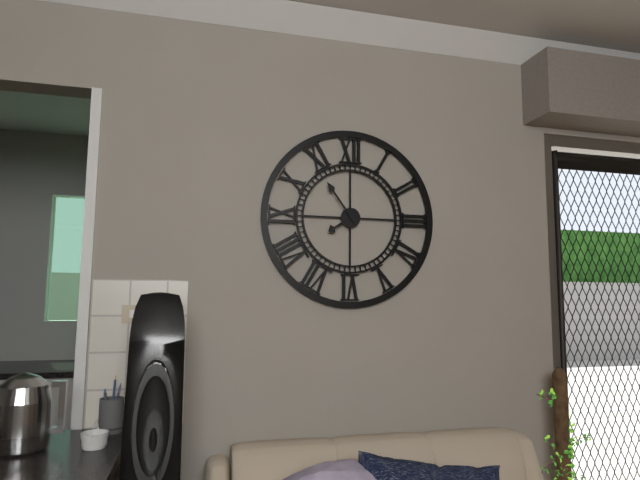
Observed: **7:54**
